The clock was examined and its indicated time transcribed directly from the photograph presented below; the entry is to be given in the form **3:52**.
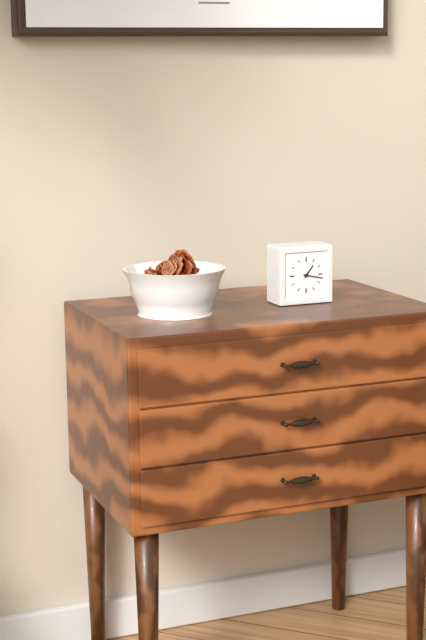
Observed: **1:17**
